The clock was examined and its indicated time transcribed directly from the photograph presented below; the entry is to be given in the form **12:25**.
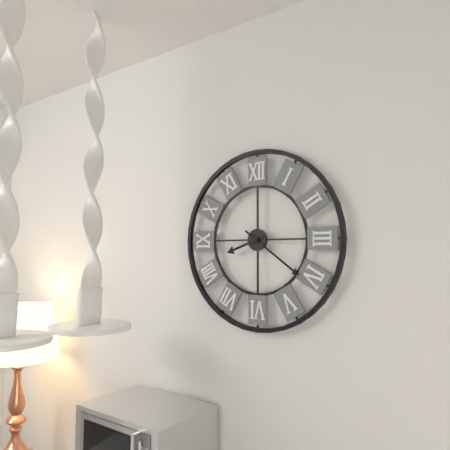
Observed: **8:21**
